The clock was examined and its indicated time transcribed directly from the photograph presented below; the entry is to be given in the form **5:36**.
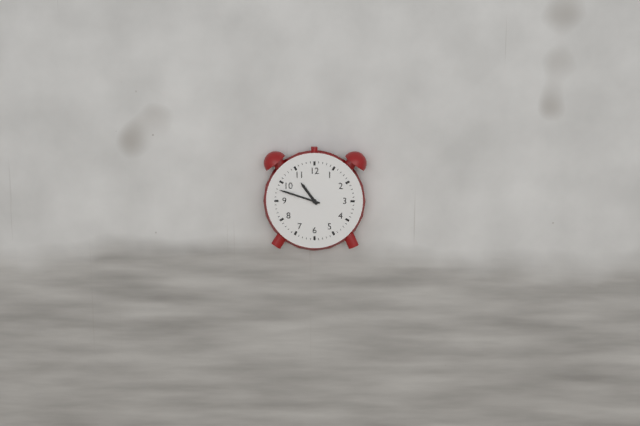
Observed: **10:48**
